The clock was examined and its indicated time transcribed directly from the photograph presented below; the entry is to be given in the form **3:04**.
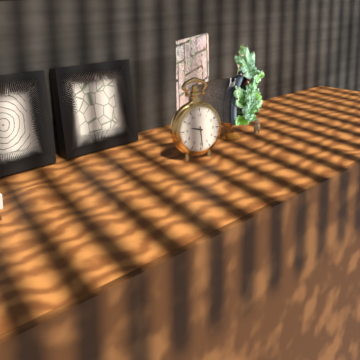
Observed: **9:29**
